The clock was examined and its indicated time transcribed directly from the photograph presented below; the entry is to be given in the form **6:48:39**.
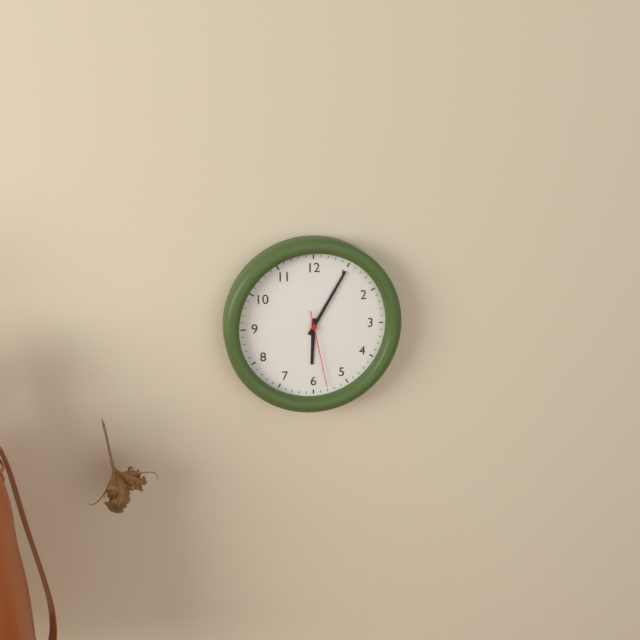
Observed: **6:05:28**
